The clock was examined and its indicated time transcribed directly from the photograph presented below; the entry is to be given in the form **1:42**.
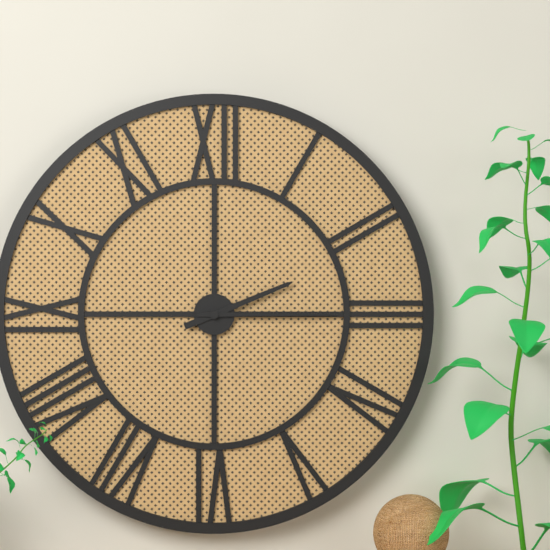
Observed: **2:15**
